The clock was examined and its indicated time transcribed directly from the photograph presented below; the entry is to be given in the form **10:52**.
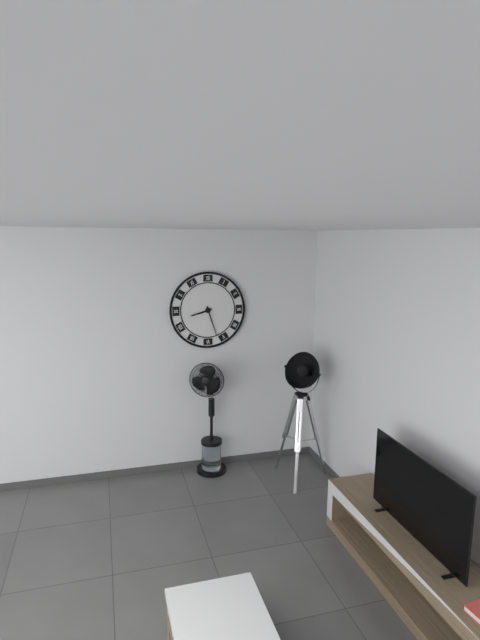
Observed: **8:27**
